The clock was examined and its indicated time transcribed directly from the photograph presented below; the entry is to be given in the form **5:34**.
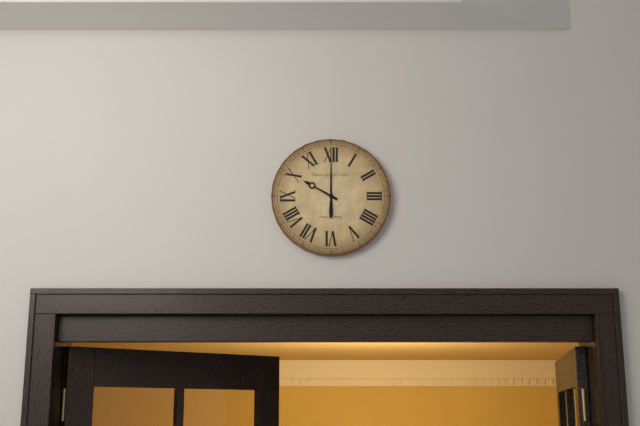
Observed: **10:00**
